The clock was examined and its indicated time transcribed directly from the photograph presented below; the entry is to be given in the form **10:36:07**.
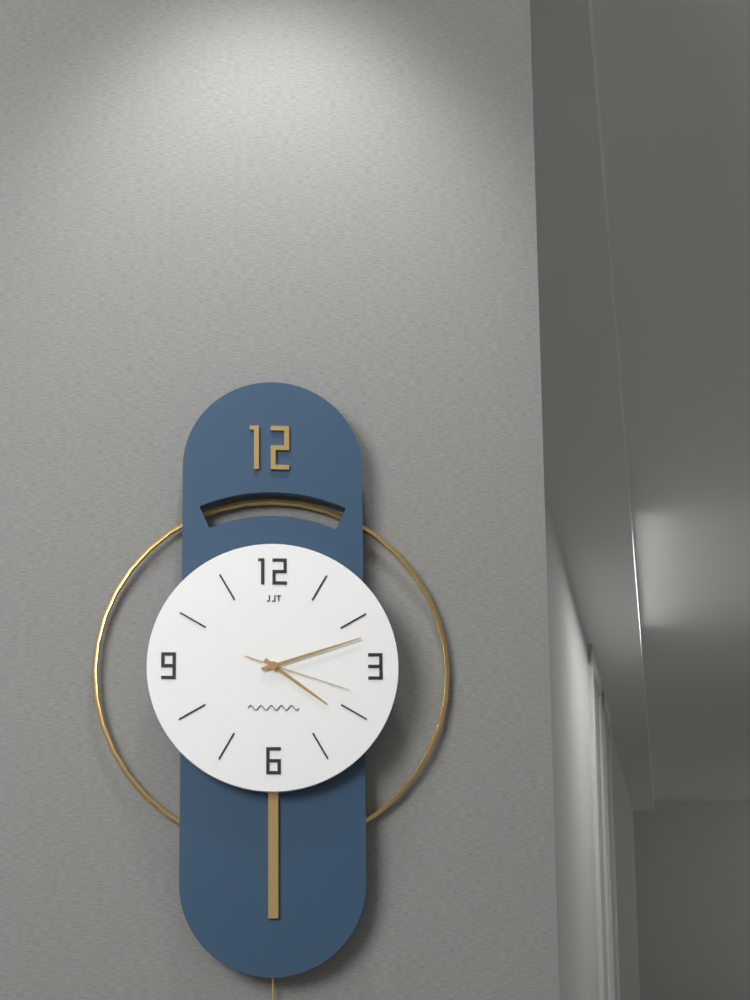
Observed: **4:12:18**
